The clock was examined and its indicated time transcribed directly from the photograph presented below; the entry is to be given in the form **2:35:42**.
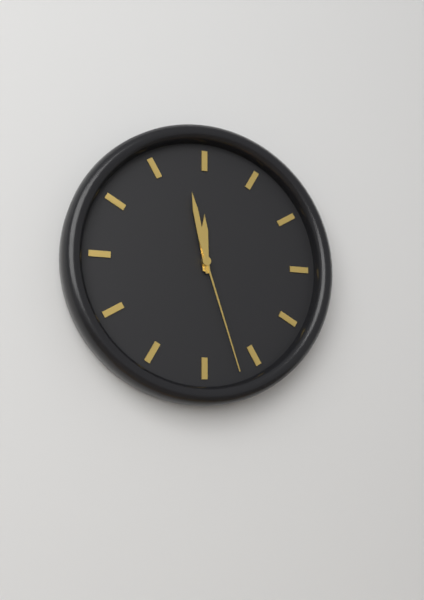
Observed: **11:58:27**
